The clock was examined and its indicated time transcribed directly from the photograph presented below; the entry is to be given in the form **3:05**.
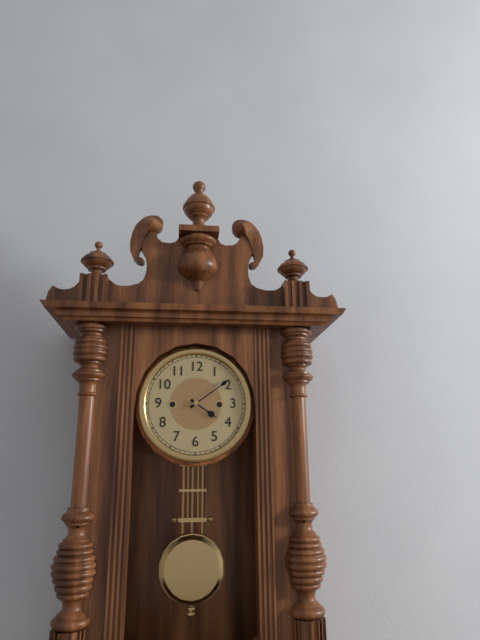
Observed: **4:09**
